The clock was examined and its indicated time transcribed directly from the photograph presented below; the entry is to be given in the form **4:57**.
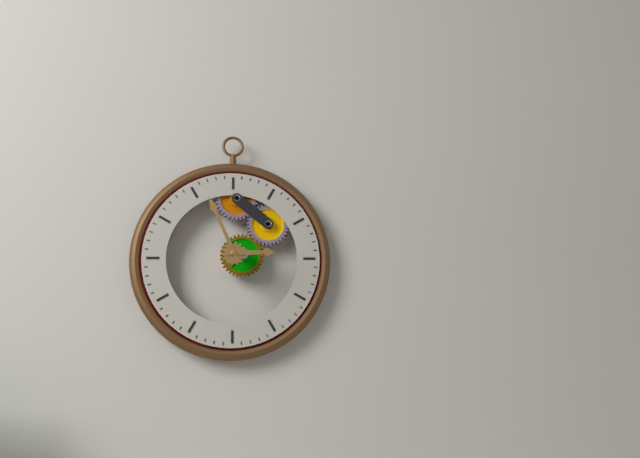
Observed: **2:56**
